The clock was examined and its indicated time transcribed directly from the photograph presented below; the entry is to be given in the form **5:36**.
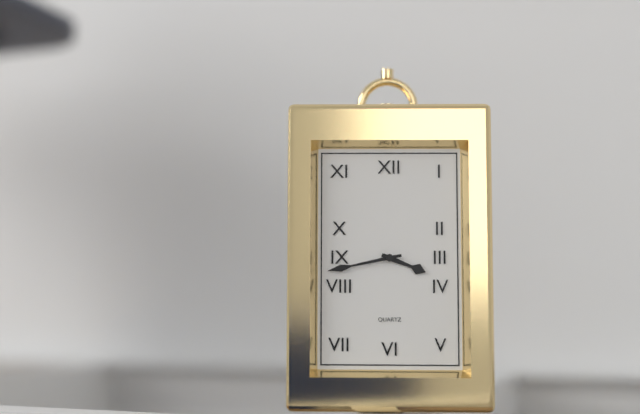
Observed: **3:43**
